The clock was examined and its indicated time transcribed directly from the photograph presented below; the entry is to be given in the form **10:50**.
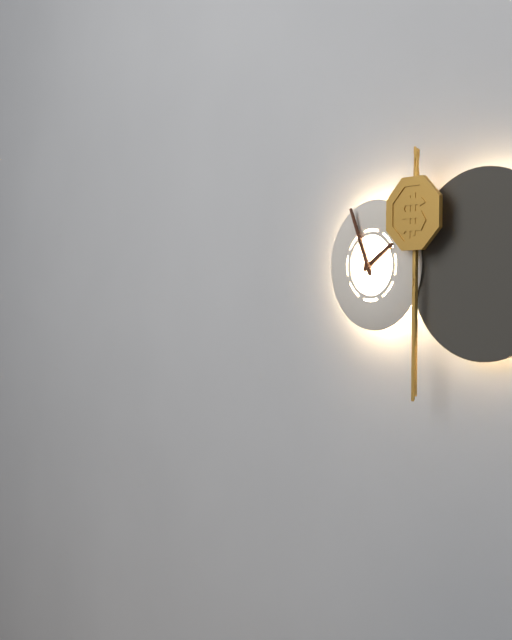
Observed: **1:56**
